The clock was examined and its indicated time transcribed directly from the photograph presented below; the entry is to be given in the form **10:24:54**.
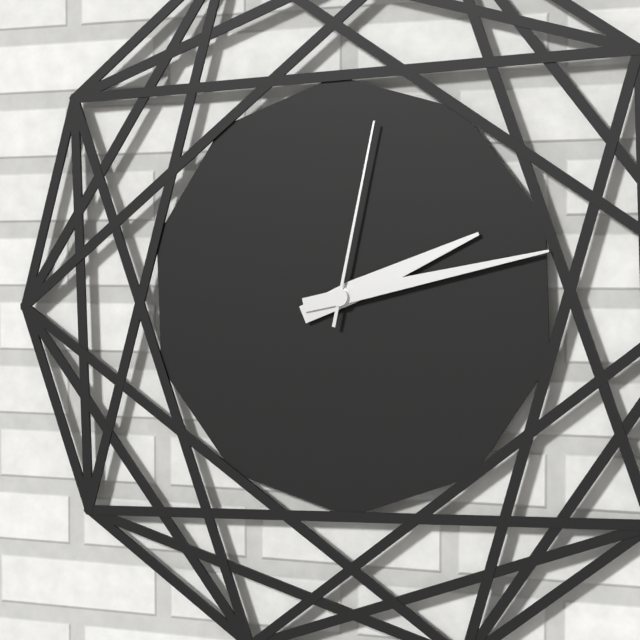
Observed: **2:13:02**
